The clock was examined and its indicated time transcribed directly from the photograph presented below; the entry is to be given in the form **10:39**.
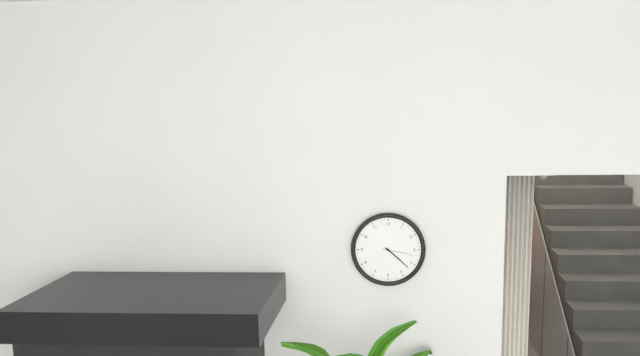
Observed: **4:22**
